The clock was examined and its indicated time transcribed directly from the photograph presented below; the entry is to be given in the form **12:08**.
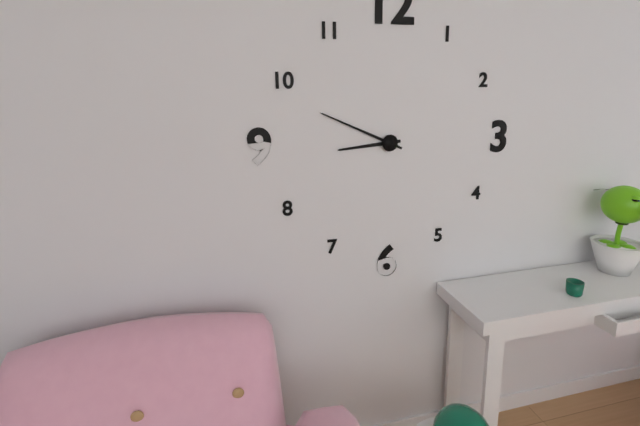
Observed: **8:49**
